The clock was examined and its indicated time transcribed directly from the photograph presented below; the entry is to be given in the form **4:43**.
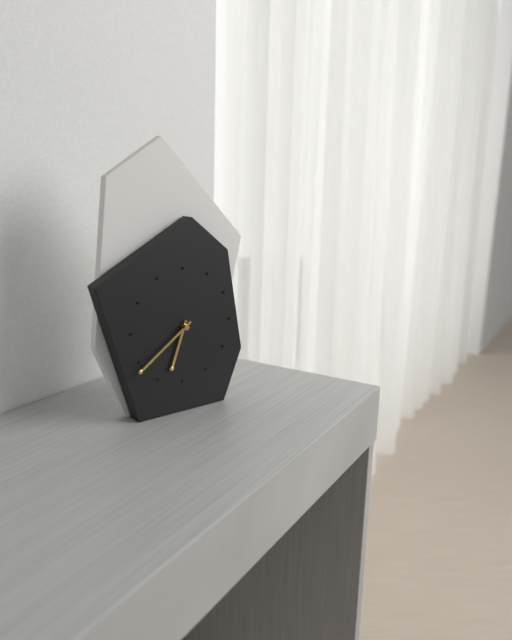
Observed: **6:39**
